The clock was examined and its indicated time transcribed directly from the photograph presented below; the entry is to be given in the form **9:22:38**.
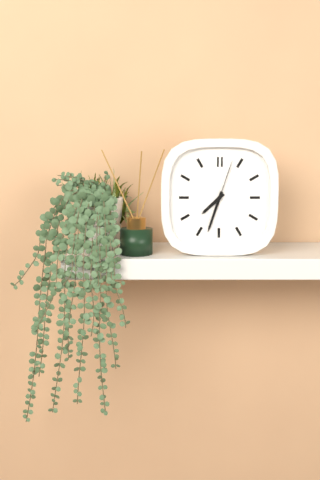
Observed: **7:33:03**
